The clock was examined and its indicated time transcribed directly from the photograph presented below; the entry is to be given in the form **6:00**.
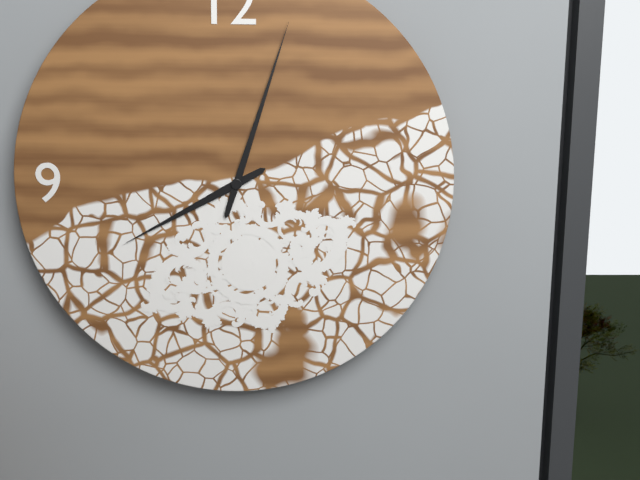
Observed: **8:03**
